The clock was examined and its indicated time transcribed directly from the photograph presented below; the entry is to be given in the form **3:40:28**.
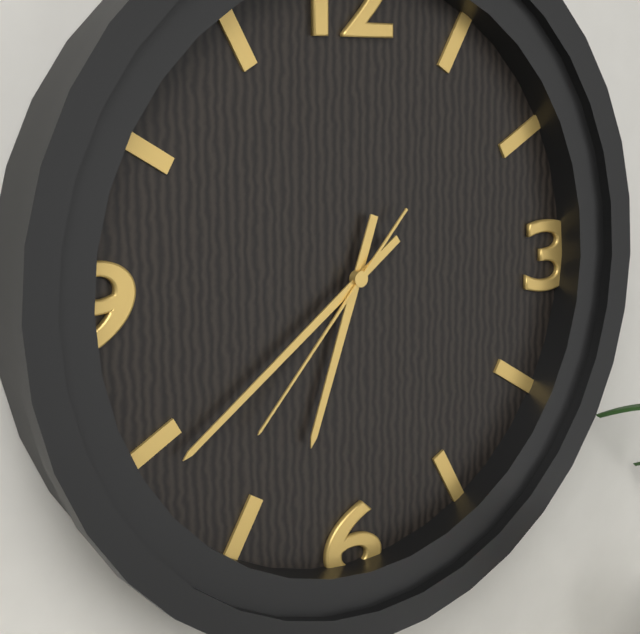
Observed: **6:39:37**
